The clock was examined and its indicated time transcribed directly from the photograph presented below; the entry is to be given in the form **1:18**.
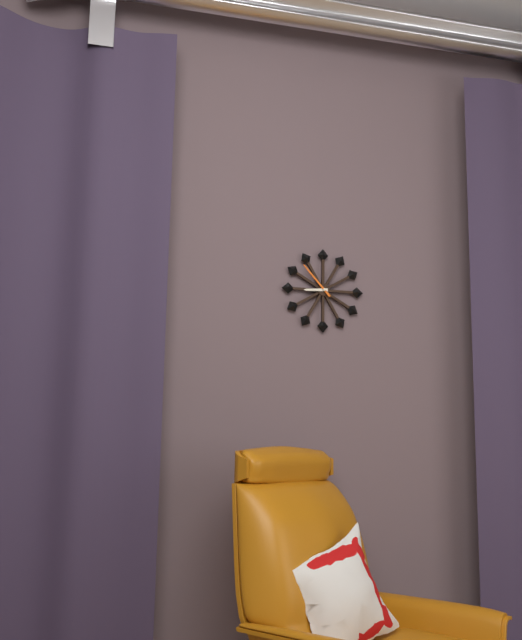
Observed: **8:53**
